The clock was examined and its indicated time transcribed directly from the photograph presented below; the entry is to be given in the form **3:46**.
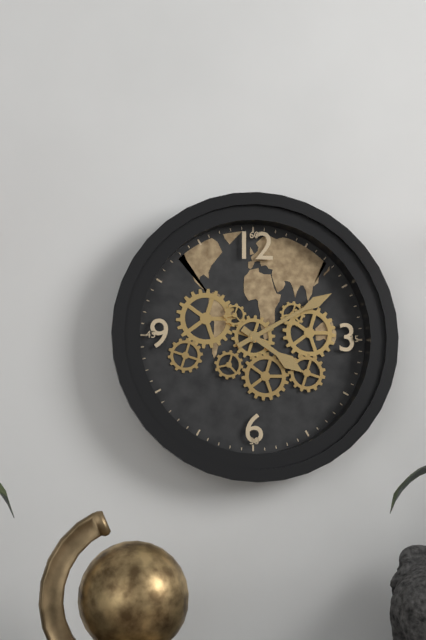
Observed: **4:10**
